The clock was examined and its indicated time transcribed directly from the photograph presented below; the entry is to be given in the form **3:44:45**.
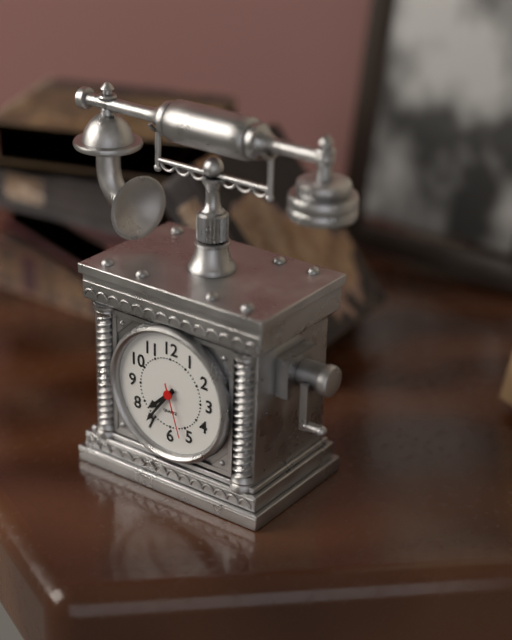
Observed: **7:36:27**
